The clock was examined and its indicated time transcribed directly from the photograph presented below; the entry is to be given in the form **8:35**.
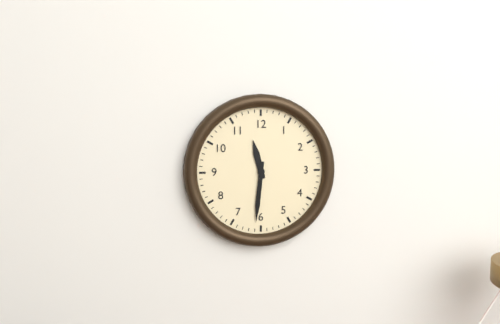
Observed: **11:31**
